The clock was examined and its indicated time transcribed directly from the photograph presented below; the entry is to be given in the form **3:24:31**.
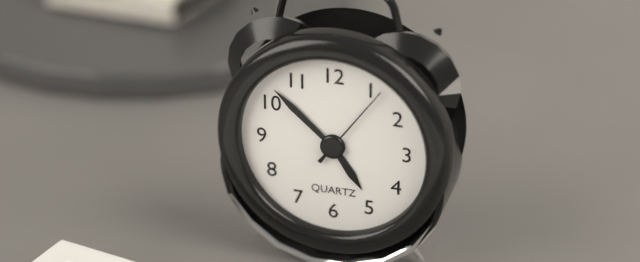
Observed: **4:52:06**
